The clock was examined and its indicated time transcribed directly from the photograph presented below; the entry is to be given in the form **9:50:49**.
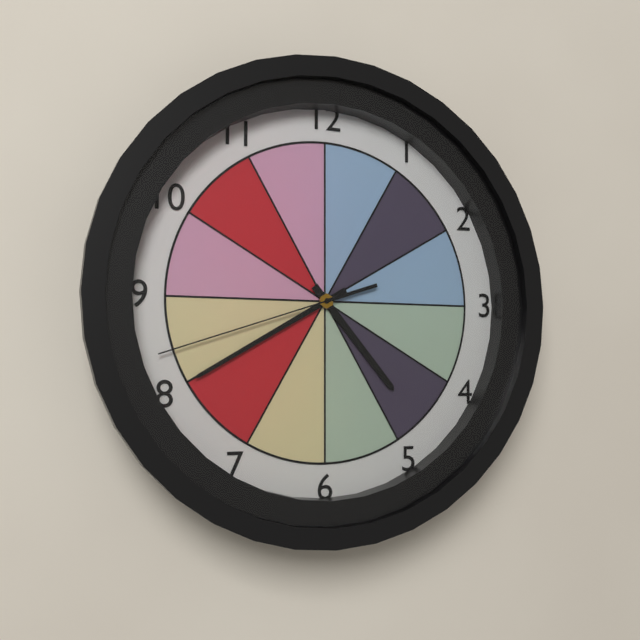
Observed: **4:40:42**
